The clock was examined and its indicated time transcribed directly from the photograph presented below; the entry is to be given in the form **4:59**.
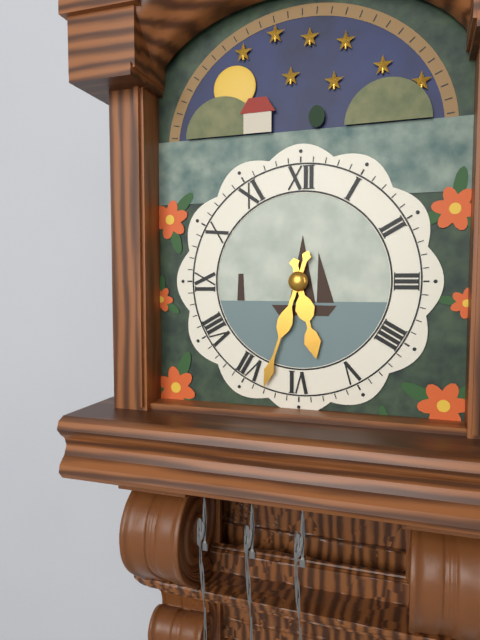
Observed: **5:33**
